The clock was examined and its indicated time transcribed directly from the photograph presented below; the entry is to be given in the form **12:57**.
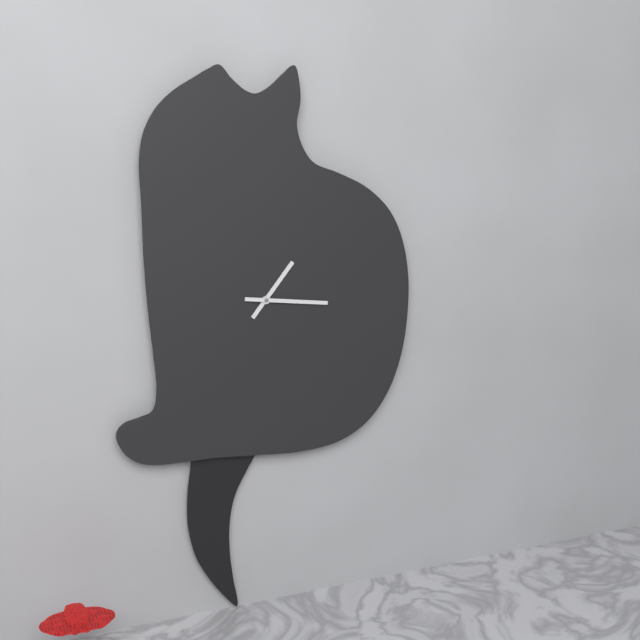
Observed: **1:16**
